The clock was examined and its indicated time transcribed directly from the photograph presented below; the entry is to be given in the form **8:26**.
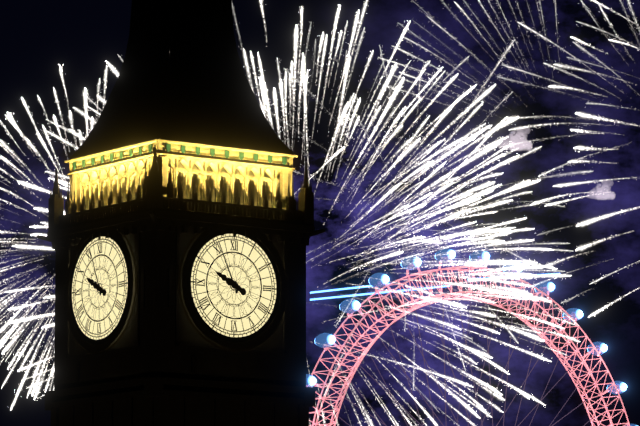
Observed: **9:56**
